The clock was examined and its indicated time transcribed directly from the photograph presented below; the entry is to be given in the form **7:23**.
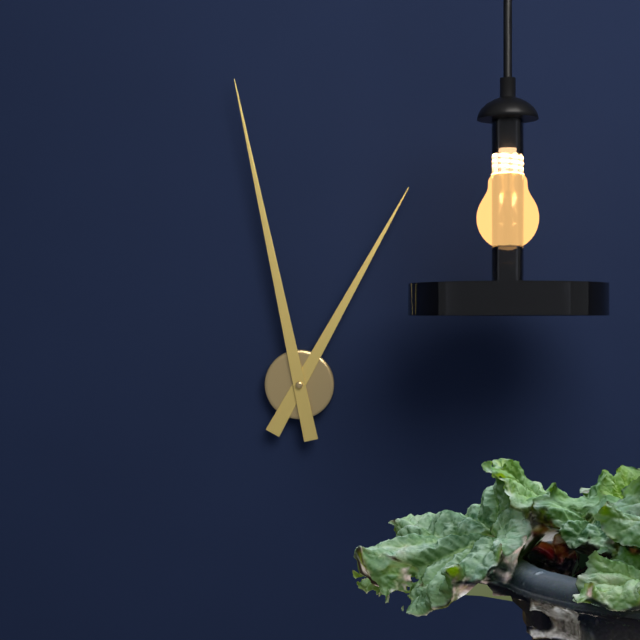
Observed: **12:58**
